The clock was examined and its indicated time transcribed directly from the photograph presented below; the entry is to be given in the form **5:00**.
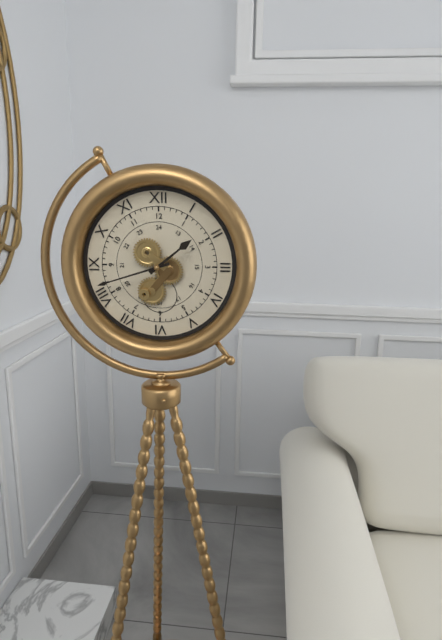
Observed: **1:42**
